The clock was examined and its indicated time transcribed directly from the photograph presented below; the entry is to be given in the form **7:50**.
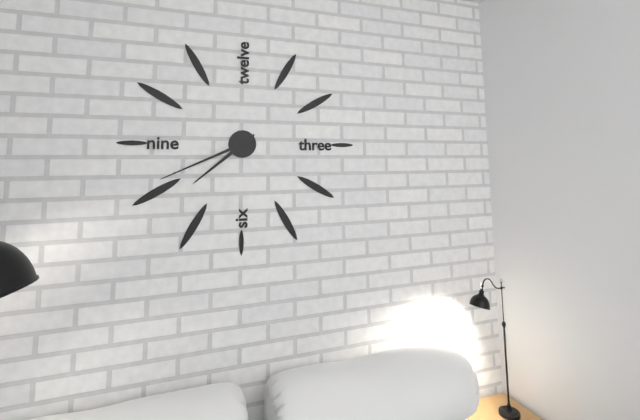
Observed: **7:41**
